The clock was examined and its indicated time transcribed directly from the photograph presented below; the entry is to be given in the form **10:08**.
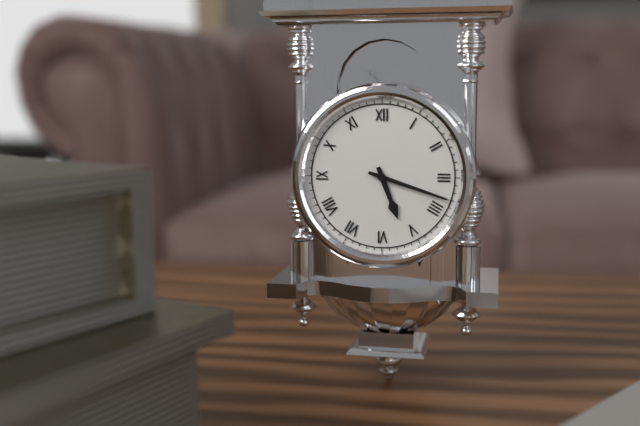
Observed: **5:18**
